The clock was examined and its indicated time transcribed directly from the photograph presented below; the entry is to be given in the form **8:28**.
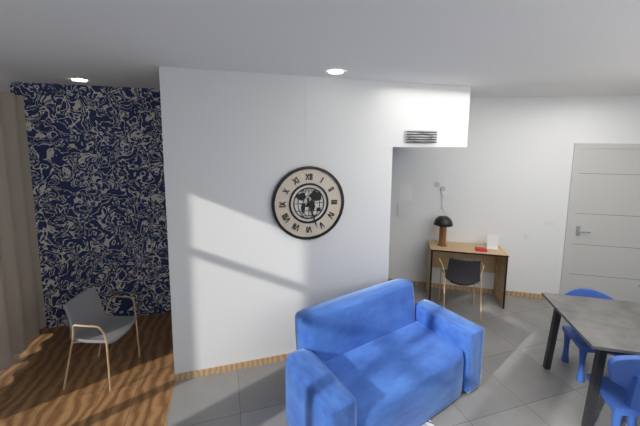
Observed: **1:27**
